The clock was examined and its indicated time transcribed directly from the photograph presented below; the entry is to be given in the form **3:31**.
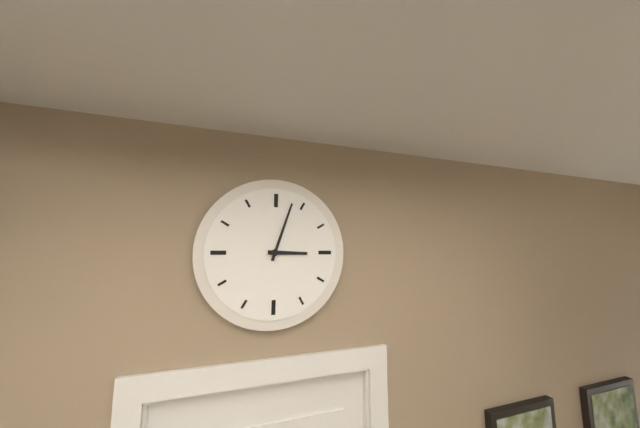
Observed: **3:03**
